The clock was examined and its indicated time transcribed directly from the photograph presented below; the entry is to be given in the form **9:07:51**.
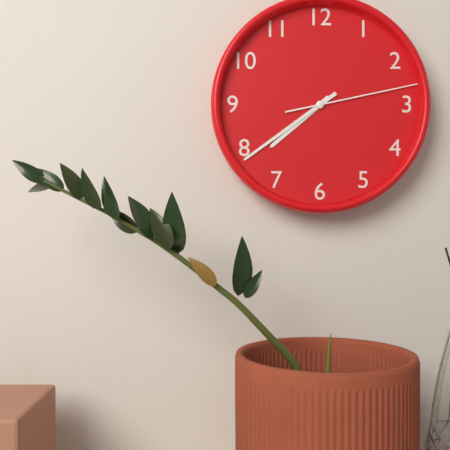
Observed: **7:39:13**
